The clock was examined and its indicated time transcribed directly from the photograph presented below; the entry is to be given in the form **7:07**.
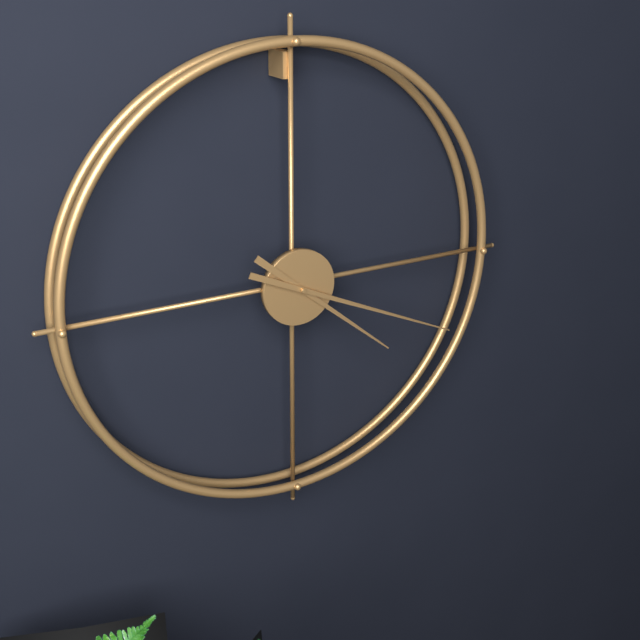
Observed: **4:19**
